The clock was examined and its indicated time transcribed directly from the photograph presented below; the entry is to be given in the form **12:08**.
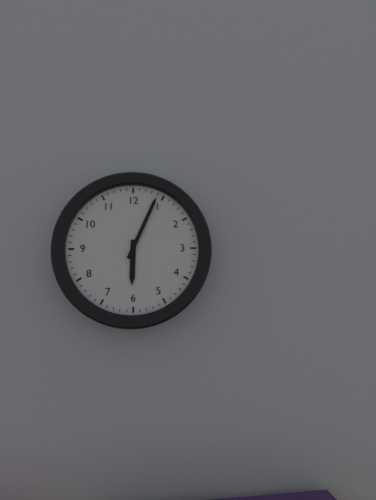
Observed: **6:04**
